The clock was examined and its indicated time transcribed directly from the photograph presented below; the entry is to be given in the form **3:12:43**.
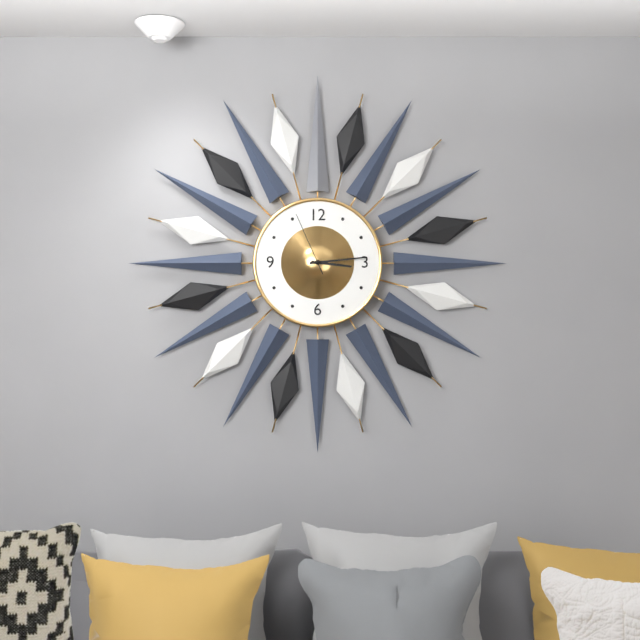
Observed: **3:14:56**
